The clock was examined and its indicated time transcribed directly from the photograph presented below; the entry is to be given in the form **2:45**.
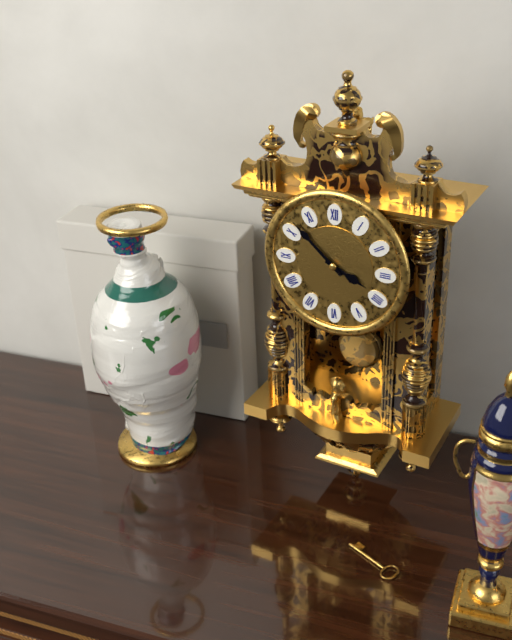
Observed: **3:52**
